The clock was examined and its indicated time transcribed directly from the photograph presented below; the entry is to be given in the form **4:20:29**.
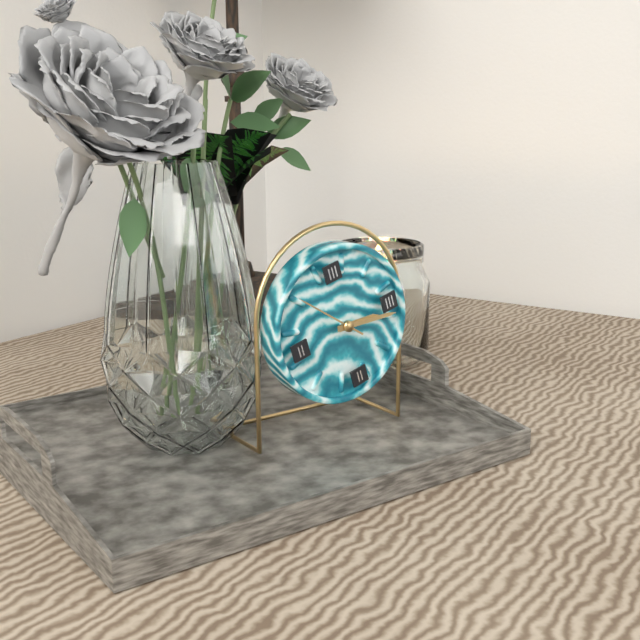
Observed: **3:17:53**
